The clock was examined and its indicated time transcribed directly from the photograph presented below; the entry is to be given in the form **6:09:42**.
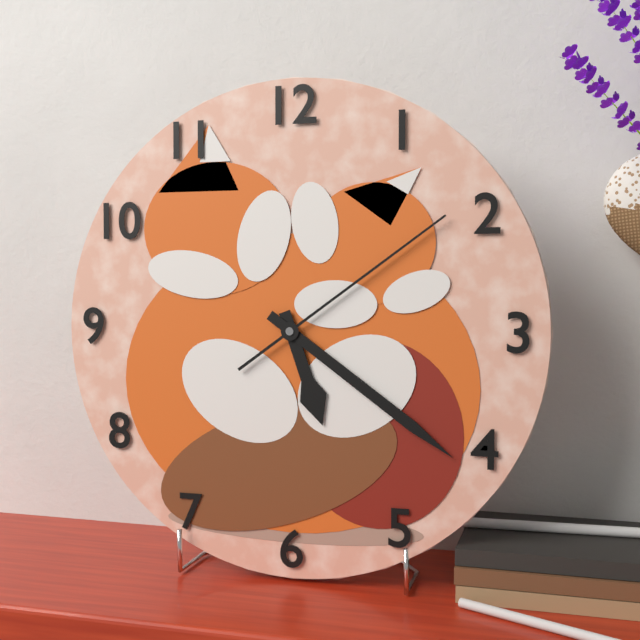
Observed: **5:21:09**
